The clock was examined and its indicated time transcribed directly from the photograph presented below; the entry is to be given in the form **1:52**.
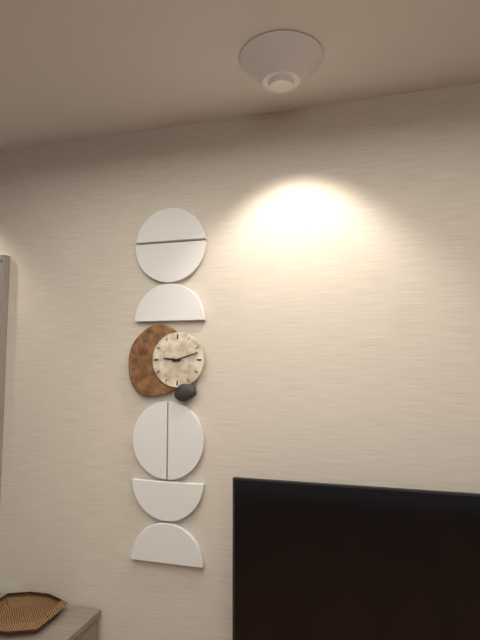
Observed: **9:12**
